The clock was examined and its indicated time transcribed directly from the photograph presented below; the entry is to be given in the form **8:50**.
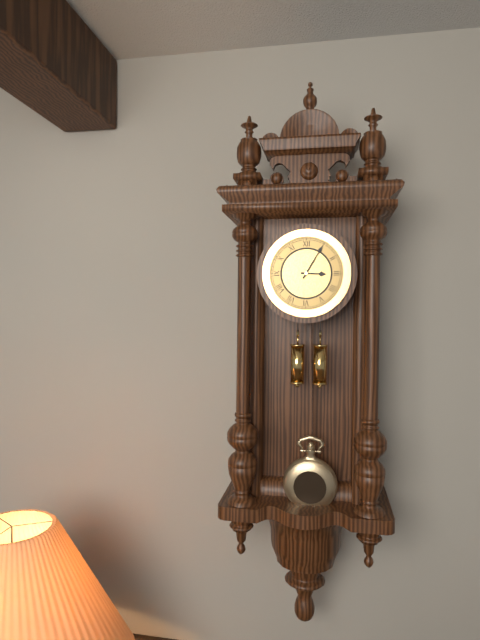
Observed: **3:05**
